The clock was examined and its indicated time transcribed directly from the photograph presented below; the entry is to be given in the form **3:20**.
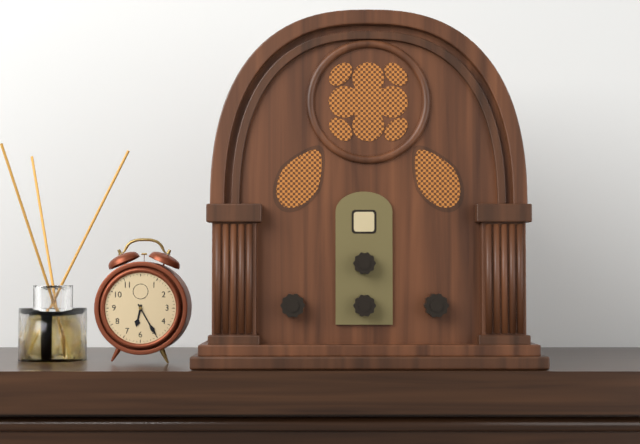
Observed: **6:25**
